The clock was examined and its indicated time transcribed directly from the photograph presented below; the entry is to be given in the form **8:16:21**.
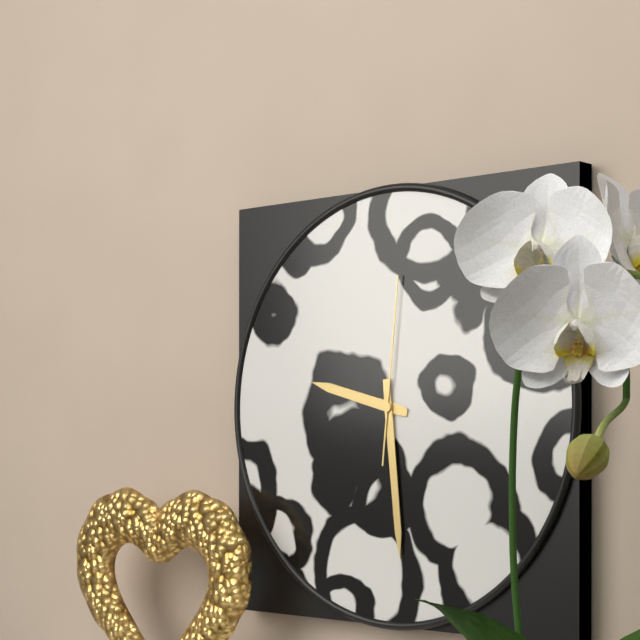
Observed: **9:29:01**
